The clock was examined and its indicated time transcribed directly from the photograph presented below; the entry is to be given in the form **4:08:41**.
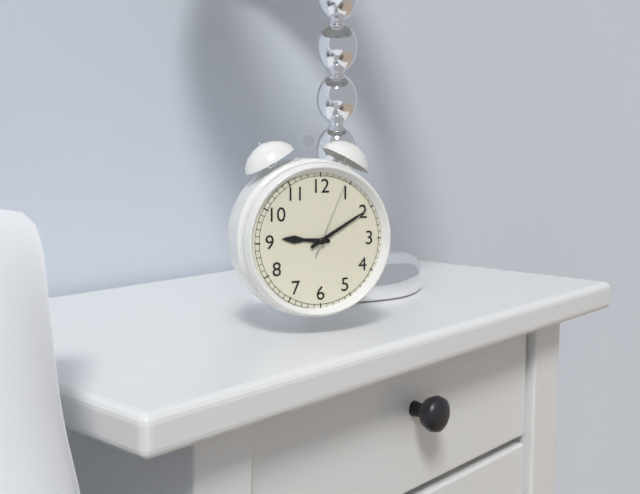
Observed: **9:10:04**
